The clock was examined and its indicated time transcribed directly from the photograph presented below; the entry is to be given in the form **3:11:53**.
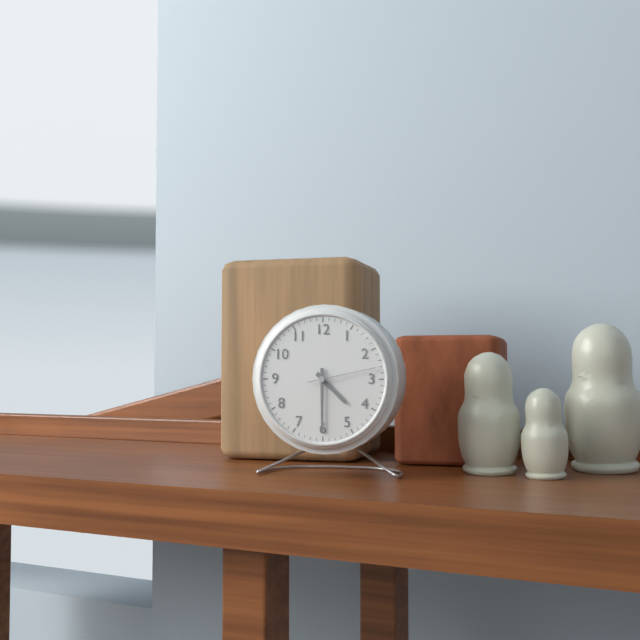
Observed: **4:30:13**
